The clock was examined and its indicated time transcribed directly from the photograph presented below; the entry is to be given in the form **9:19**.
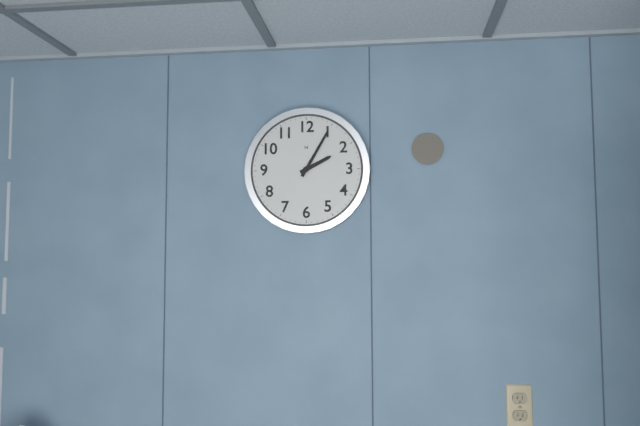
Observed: **2:05**
